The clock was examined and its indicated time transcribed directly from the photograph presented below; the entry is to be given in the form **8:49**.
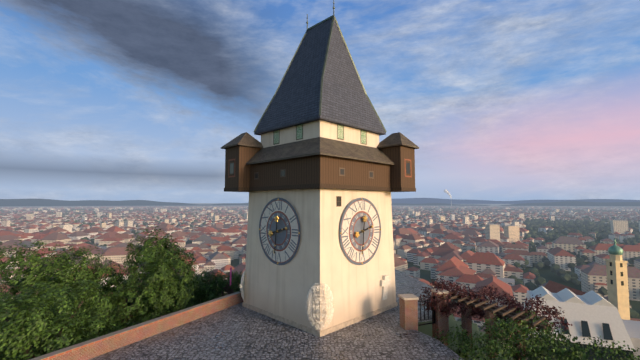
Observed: **2:31**
